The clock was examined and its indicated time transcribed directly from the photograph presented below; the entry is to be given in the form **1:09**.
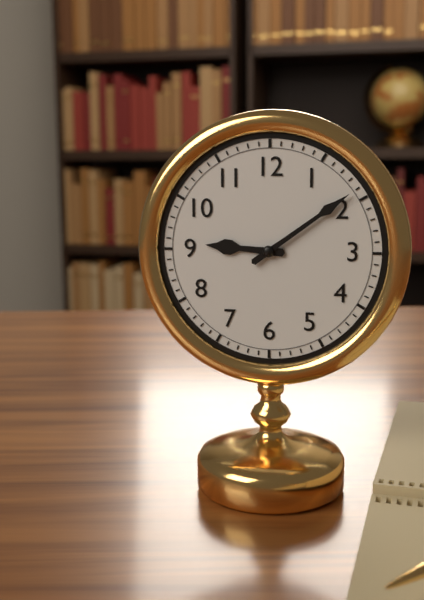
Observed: **9:09**
